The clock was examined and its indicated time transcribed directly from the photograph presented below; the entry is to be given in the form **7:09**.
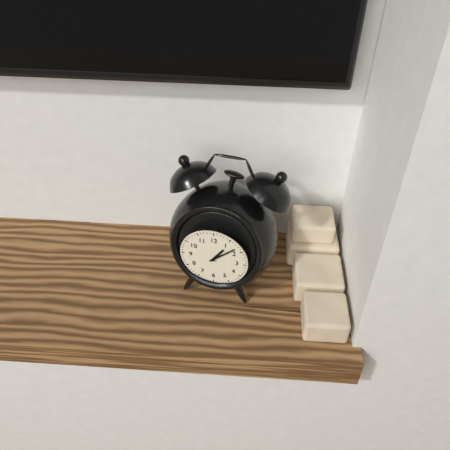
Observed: **1:08**
